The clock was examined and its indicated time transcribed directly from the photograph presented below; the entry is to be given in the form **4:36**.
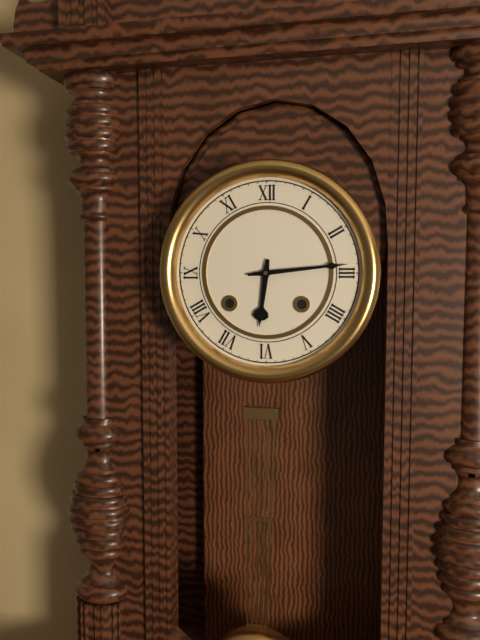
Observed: **6:14**
